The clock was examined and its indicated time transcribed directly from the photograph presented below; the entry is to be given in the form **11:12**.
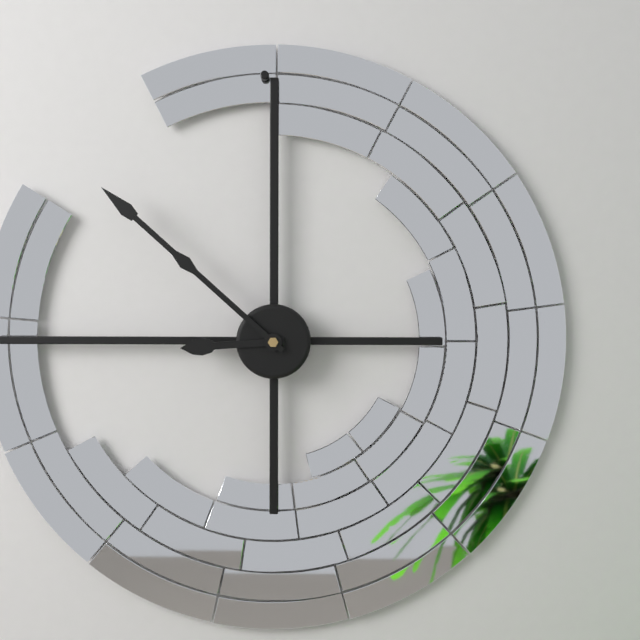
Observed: **8:52**
